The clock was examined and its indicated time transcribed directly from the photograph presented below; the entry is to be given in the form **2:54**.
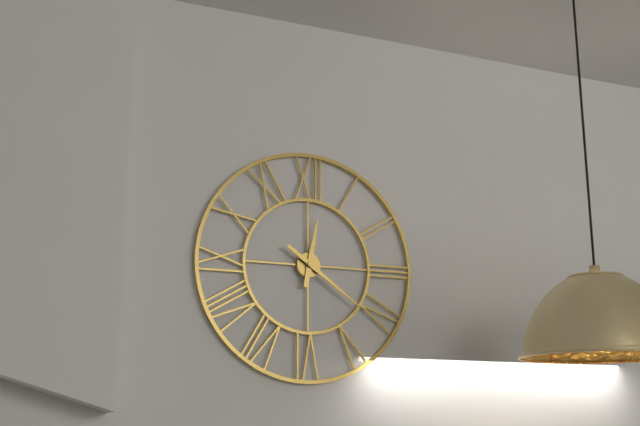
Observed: **12:21**
